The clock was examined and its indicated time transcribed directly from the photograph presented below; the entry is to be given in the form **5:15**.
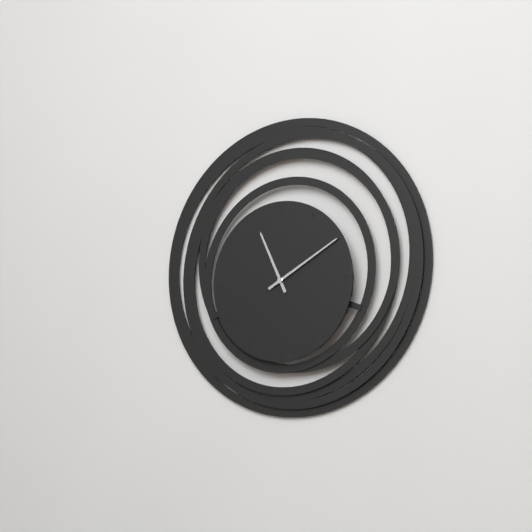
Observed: **11:10**
